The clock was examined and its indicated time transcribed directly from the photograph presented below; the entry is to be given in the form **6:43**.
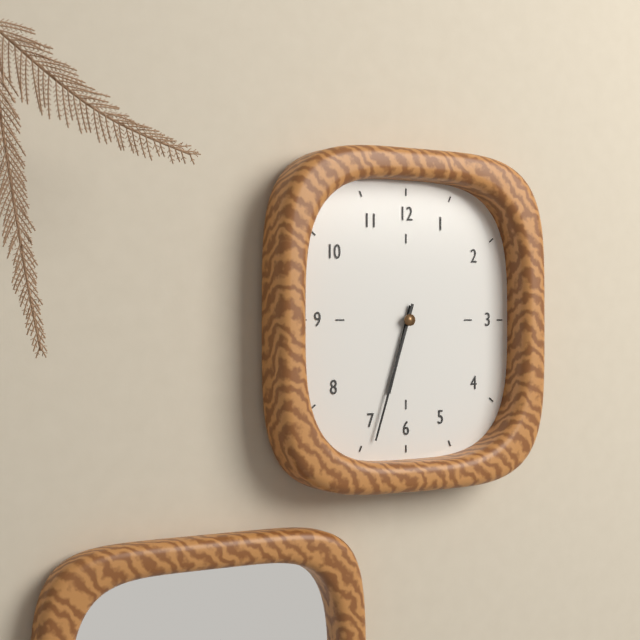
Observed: **6:33**
